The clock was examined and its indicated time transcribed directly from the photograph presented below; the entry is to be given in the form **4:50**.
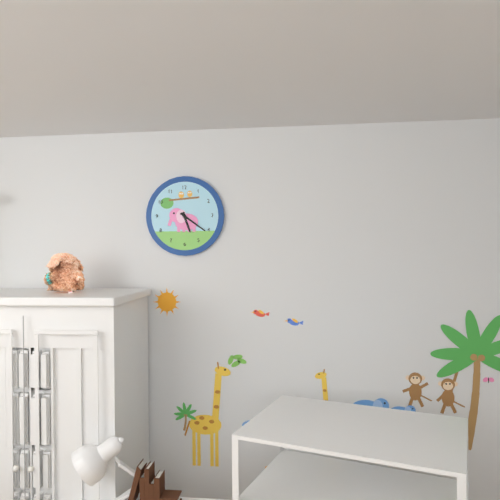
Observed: **5:21**
